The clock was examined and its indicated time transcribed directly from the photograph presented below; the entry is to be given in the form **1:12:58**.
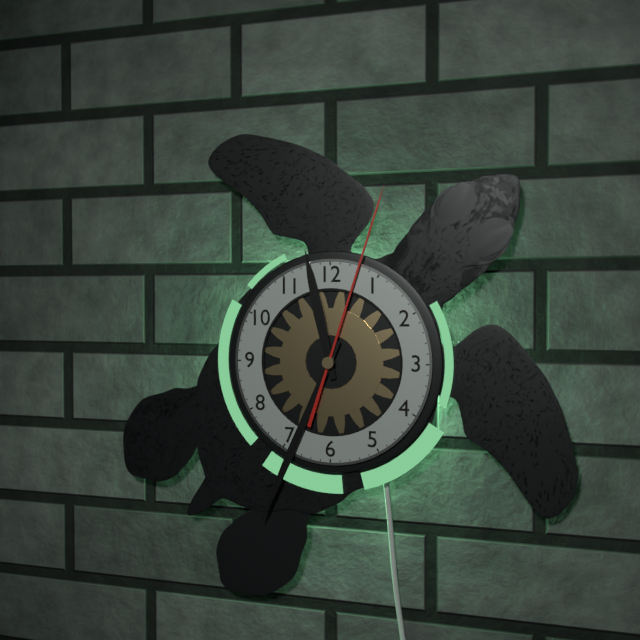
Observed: **11:34:03**
